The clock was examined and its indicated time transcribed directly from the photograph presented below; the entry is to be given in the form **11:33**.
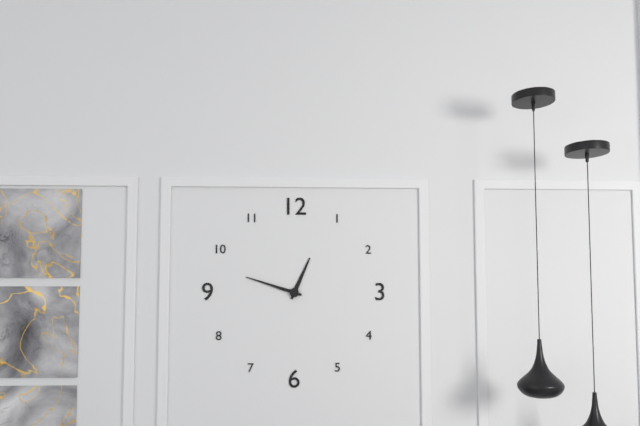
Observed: **12:48**
